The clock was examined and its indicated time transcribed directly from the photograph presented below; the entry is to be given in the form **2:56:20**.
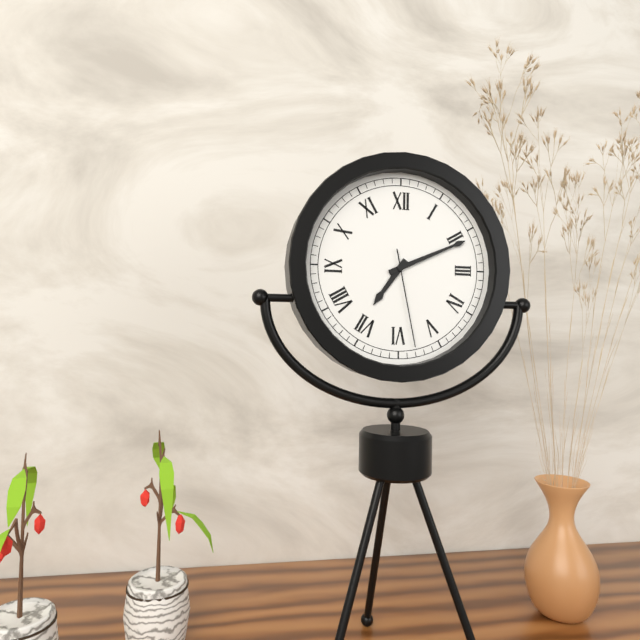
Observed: **7:11:28**
